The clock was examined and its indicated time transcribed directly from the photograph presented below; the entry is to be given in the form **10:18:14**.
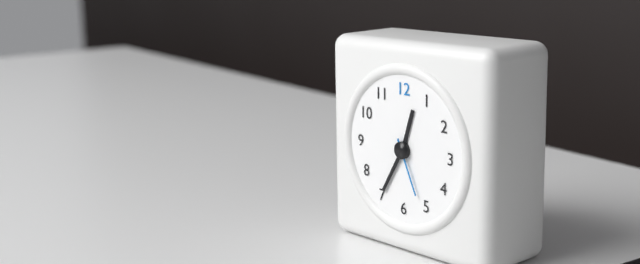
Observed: **12:35:26**
